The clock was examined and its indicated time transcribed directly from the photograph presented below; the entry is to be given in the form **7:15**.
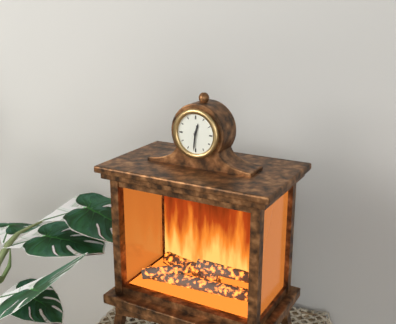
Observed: **12:31**
